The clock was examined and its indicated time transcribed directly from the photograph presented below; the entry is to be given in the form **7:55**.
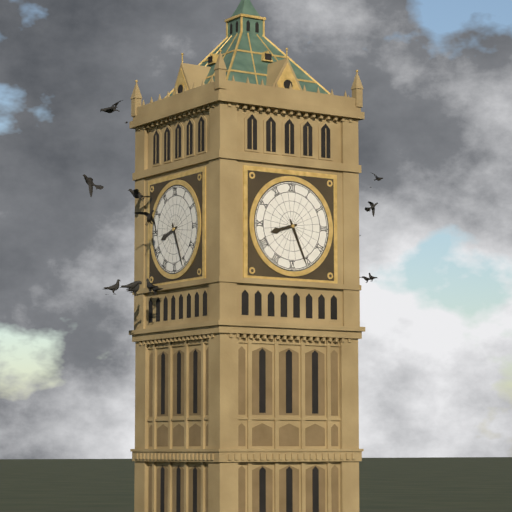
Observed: **8:26**
